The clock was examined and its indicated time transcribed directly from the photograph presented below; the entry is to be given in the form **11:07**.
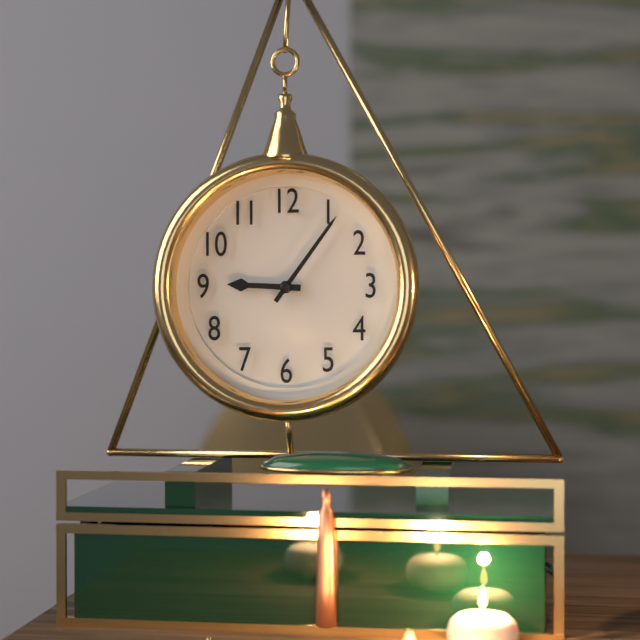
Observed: **9:06**
